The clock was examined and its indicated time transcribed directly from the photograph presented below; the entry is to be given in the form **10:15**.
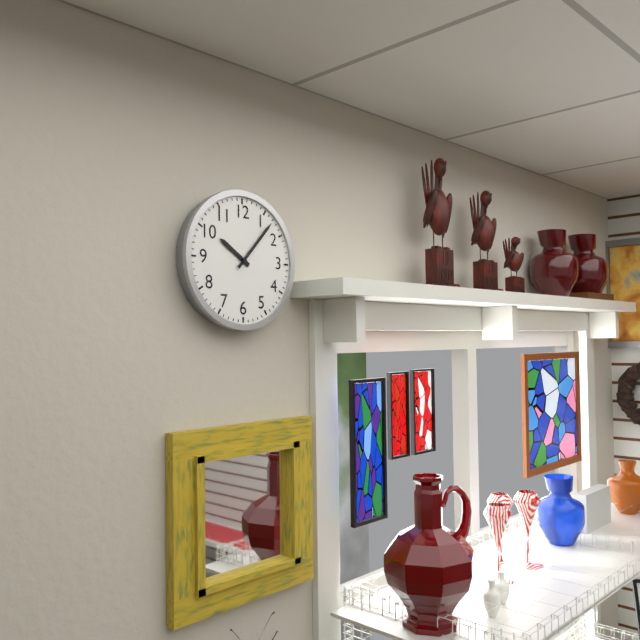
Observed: **10:07**
